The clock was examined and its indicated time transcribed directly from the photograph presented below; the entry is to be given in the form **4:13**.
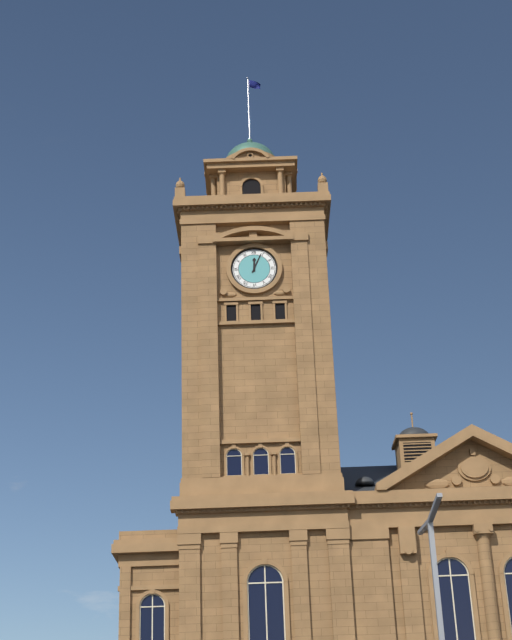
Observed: **12:04**
